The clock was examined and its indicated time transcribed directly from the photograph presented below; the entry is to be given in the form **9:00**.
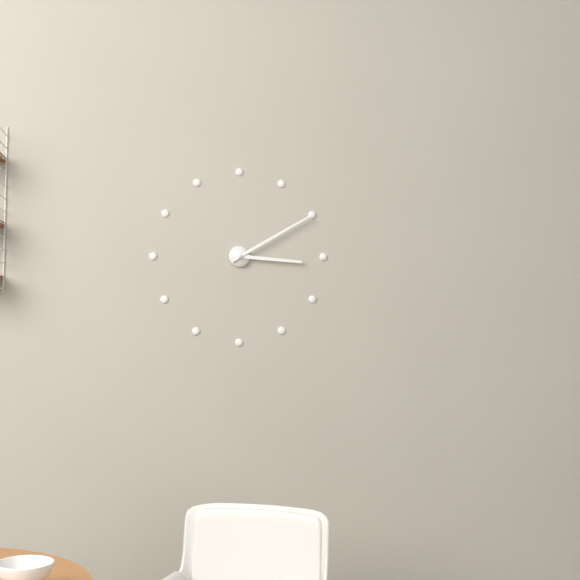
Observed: **3:10**
